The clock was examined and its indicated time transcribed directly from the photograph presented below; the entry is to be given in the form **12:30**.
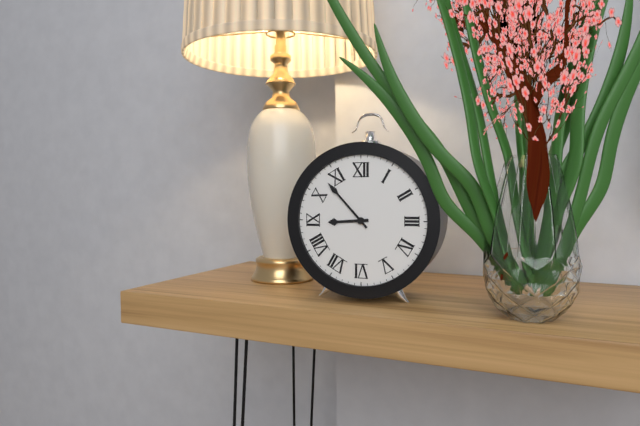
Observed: **8:53**
